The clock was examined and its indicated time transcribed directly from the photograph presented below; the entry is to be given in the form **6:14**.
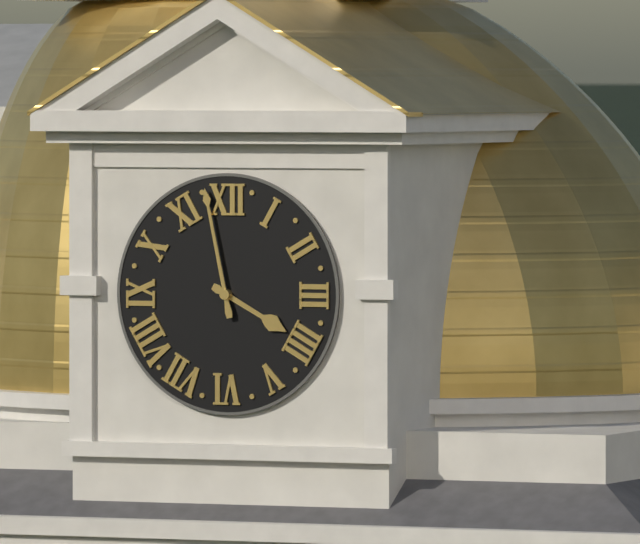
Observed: **3:58**
